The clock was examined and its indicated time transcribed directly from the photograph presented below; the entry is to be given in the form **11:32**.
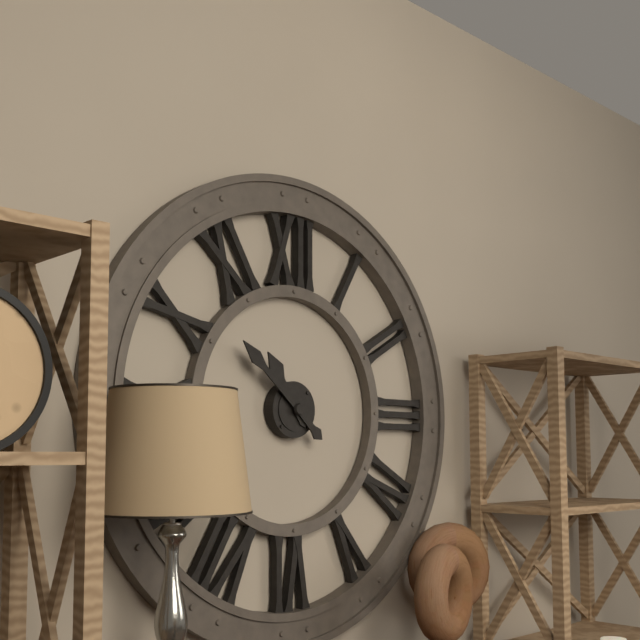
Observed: **10:52**
